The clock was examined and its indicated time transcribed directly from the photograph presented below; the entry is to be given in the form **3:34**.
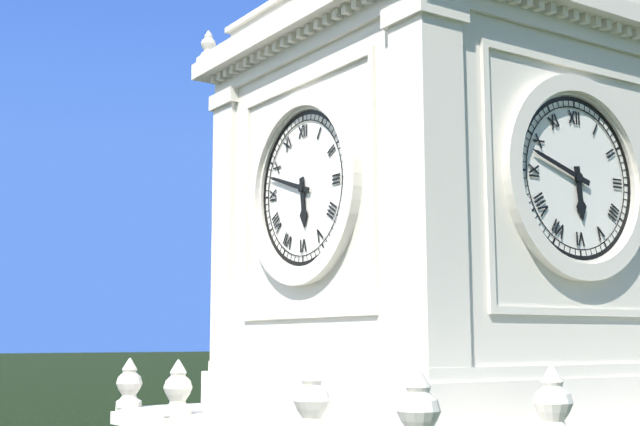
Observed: **5:48**
